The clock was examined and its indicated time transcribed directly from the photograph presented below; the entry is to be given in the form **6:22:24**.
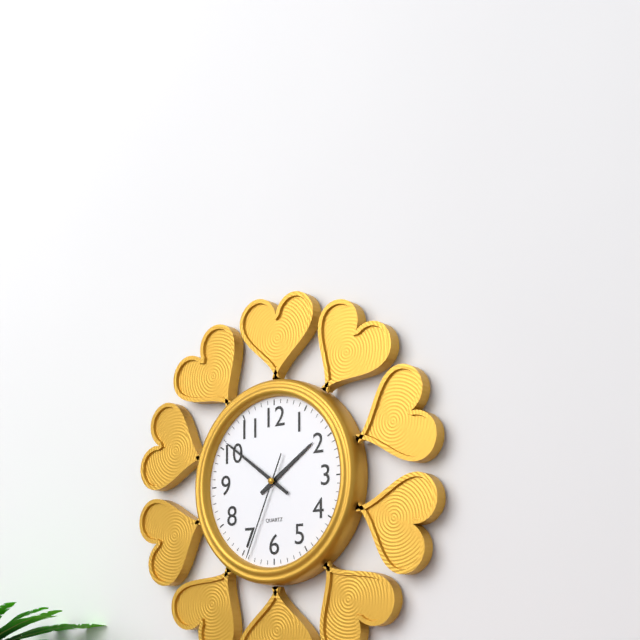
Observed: **1:51:34**
